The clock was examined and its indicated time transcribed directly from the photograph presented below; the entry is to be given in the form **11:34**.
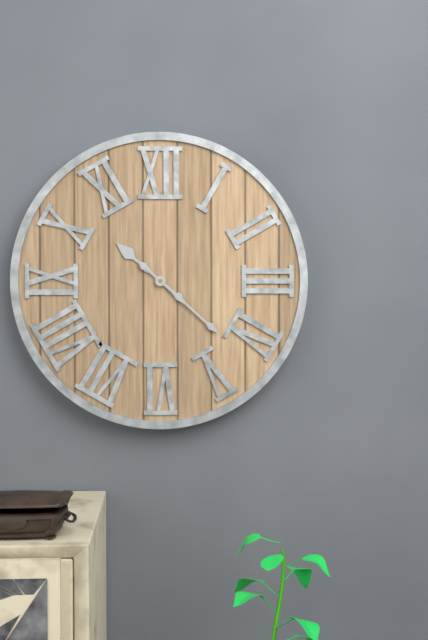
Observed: **10:22**
